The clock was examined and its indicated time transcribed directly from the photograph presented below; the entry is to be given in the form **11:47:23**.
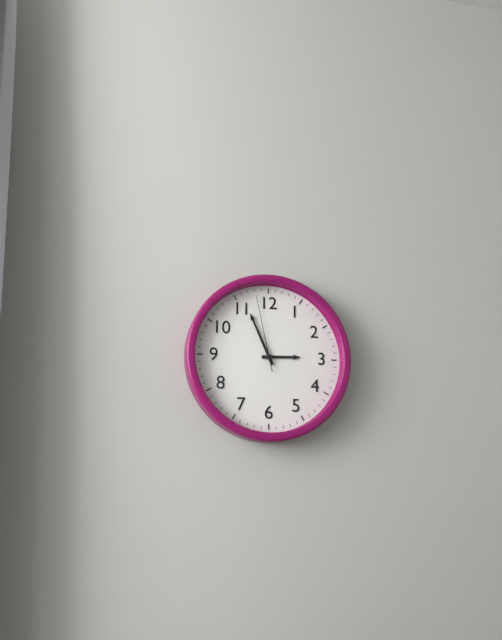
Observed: **2:56:58**
